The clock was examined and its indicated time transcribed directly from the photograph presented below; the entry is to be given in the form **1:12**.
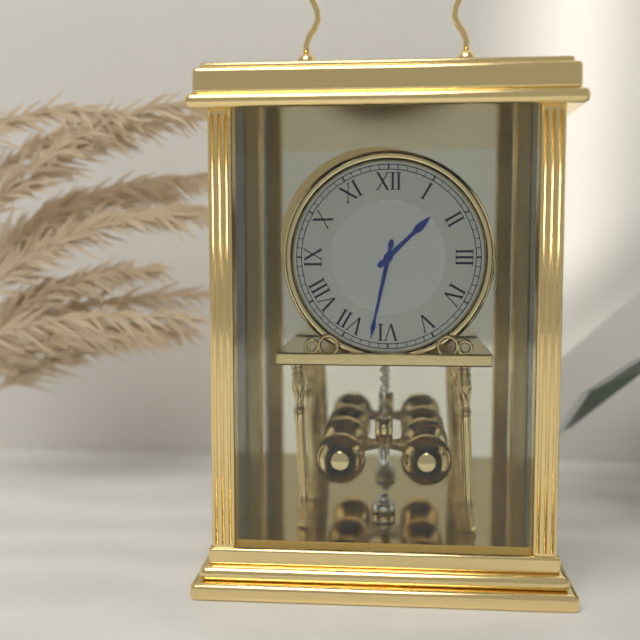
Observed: **1:32**
